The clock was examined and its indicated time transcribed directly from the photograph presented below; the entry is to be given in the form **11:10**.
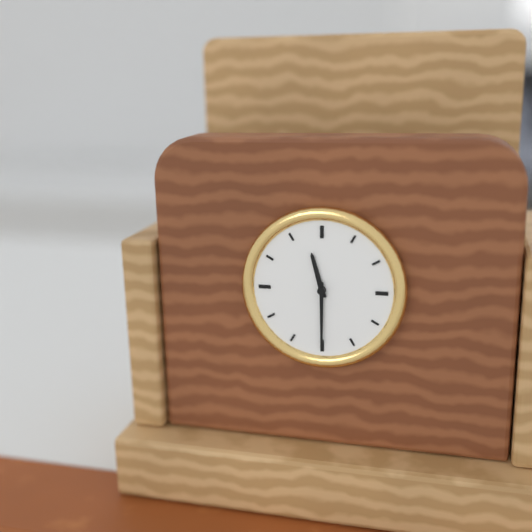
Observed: **11:30**
